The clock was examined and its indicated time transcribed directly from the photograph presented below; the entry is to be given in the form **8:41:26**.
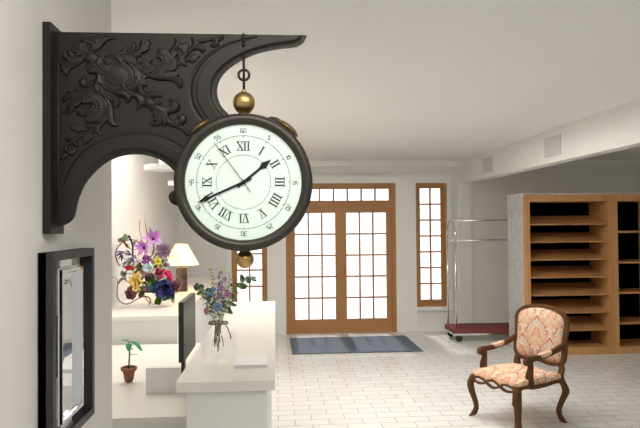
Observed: **1:41:54**
